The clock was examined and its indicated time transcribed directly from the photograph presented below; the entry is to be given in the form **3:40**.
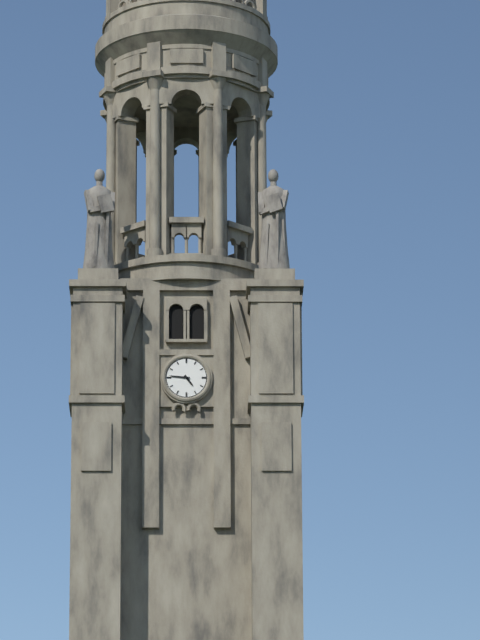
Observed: **4:46**
